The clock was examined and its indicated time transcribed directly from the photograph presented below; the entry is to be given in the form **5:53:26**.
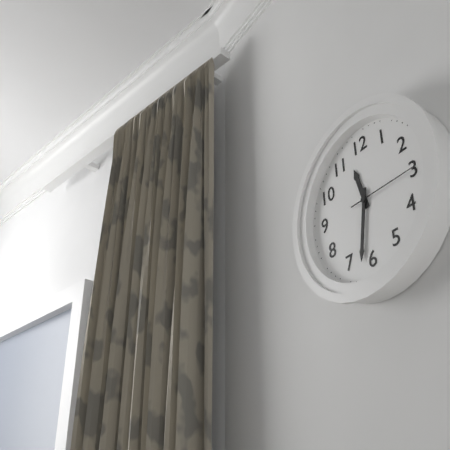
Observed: **11:32:15**
